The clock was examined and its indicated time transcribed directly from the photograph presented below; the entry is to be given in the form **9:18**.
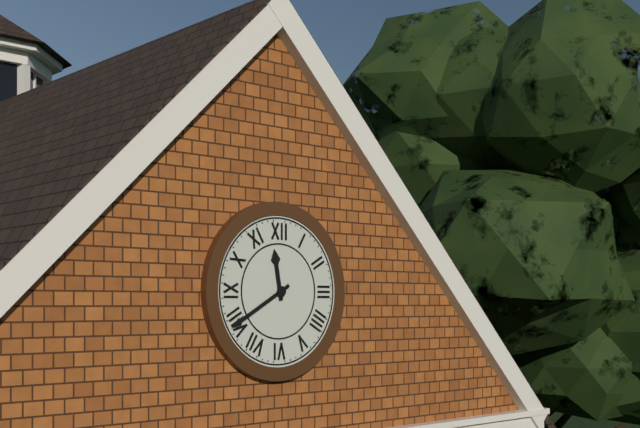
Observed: **11:40**
